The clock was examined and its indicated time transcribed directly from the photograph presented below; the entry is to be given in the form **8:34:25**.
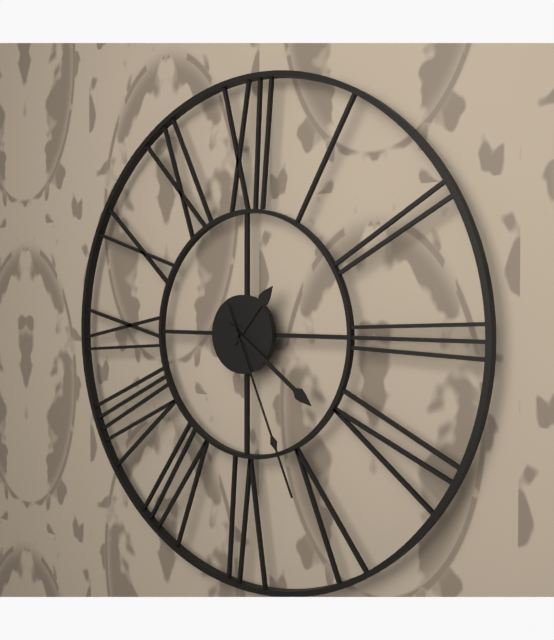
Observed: **1:21:26**
